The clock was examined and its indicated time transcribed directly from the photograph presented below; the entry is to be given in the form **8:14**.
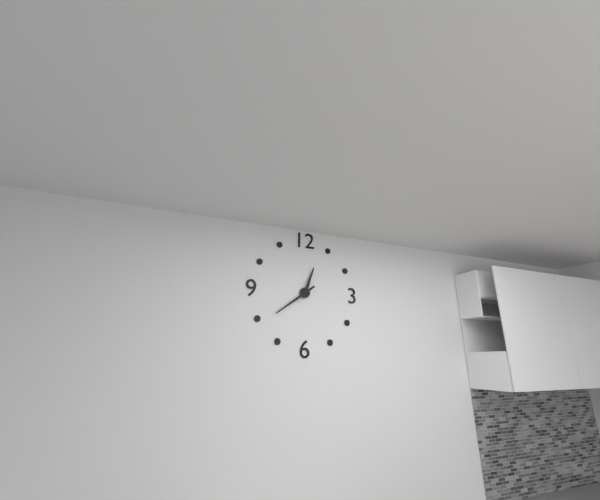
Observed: **12:39**
